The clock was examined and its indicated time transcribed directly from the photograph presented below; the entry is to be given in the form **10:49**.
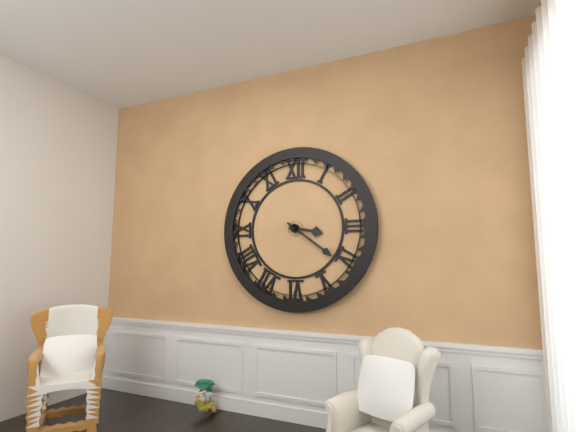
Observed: **3:21**
